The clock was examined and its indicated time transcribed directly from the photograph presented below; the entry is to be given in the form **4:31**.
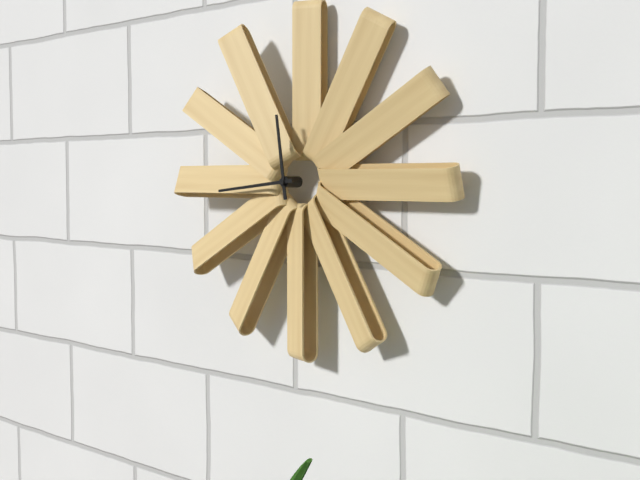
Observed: **11:44**
